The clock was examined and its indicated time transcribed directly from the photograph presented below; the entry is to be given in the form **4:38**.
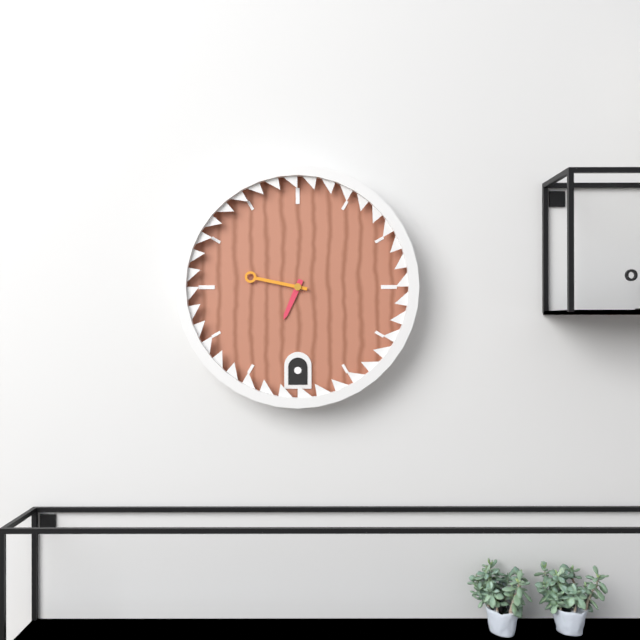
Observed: **6:47**
